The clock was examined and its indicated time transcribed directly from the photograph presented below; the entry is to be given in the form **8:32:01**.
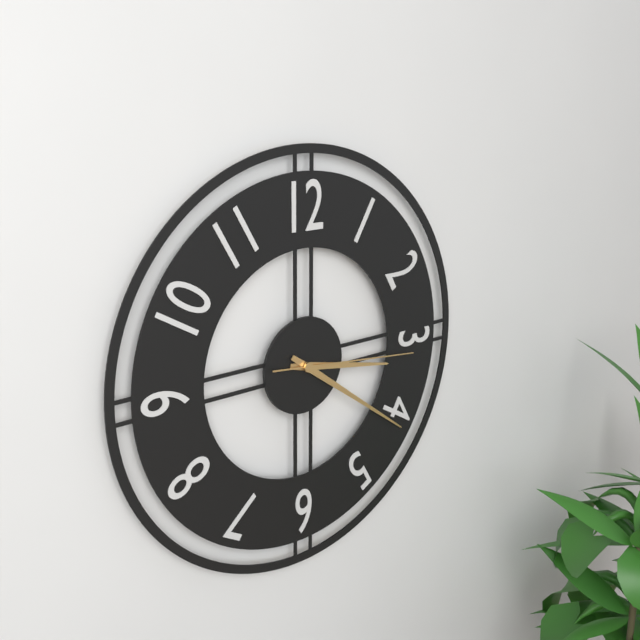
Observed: **3:21:16**
